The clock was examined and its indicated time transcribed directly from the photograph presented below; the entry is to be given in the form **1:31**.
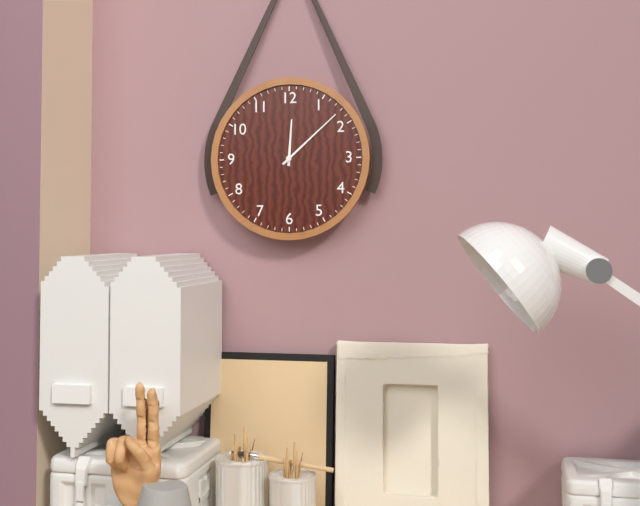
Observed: **12:08**
